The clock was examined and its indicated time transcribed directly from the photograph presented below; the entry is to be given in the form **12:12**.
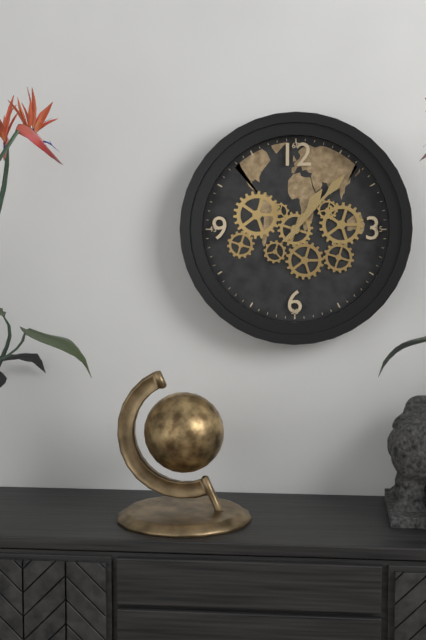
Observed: **1:07**
